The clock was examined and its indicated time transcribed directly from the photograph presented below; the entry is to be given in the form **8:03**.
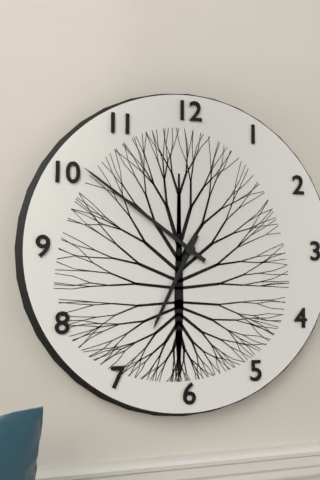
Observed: **6:51**
